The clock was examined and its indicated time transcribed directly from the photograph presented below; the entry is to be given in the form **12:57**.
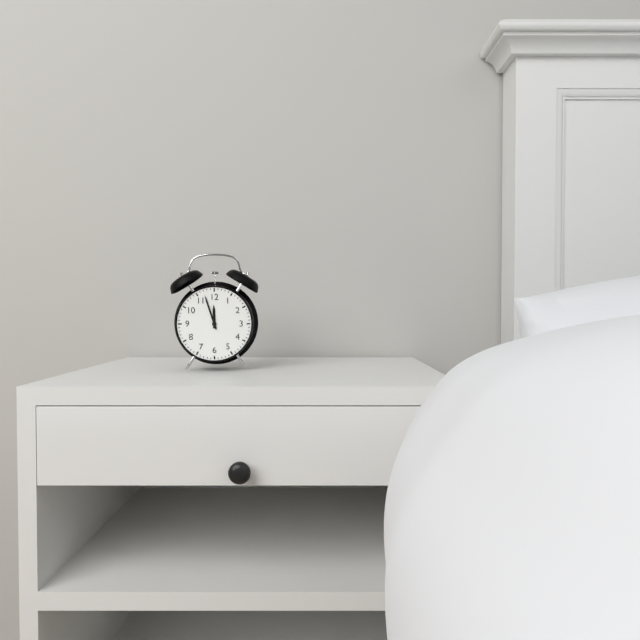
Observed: **11:57**
